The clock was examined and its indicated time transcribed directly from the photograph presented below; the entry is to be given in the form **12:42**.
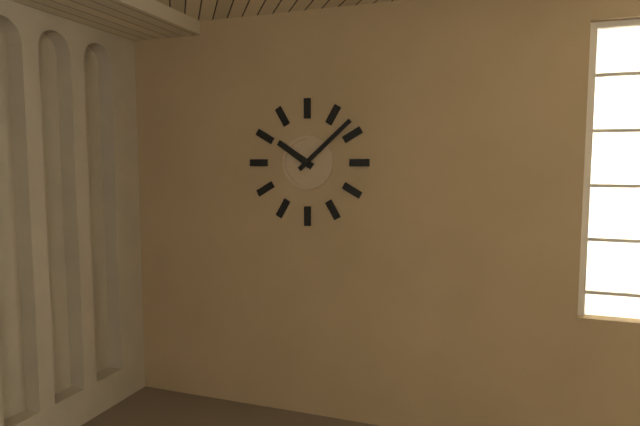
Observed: **10:08**
